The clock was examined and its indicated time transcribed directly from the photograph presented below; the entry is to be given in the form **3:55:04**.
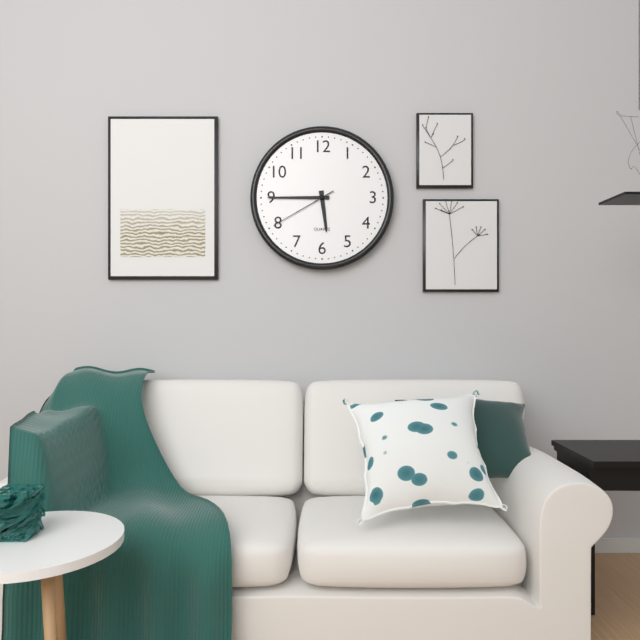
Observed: **5:45:40**
